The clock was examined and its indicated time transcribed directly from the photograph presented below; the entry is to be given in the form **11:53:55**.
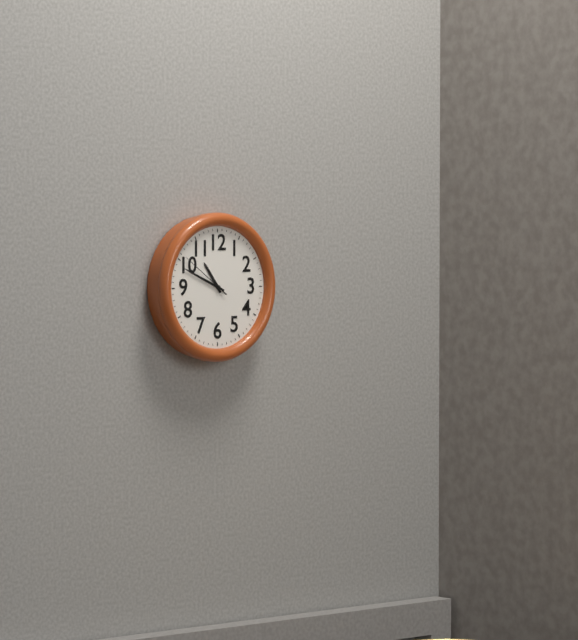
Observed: **10:49:51**
